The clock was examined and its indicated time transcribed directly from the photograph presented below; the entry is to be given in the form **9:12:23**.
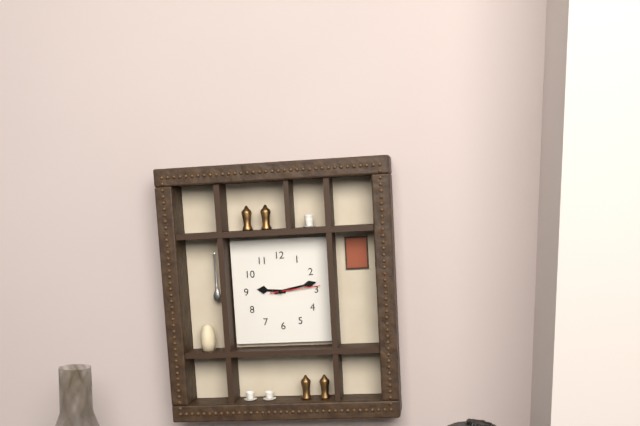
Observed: **9:13:14**
